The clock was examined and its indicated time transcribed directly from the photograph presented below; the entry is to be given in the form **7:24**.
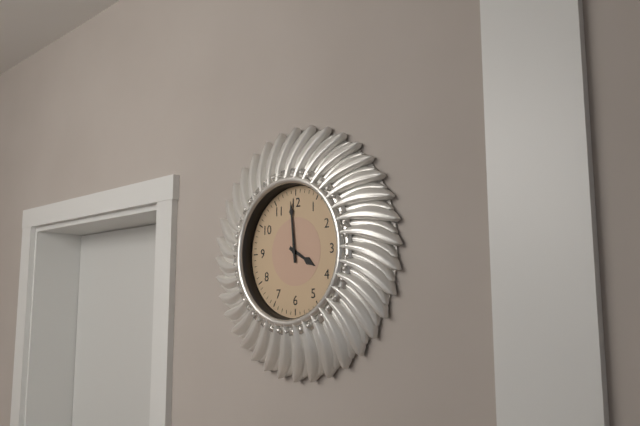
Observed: **3:59**
